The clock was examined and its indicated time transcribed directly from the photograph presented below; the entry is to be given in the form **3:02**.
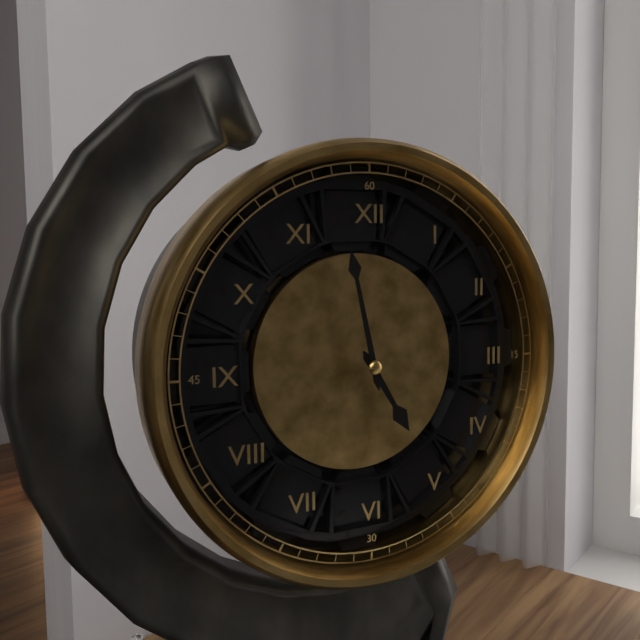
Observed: **4:58**
